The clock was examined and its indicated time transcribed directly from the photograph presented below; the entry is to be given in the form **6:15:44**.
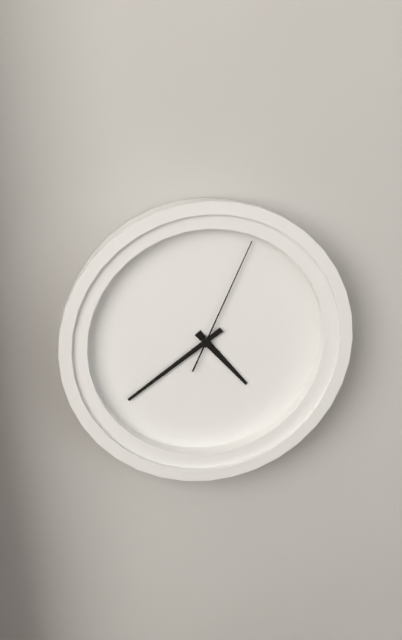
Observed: **4:39:04**
